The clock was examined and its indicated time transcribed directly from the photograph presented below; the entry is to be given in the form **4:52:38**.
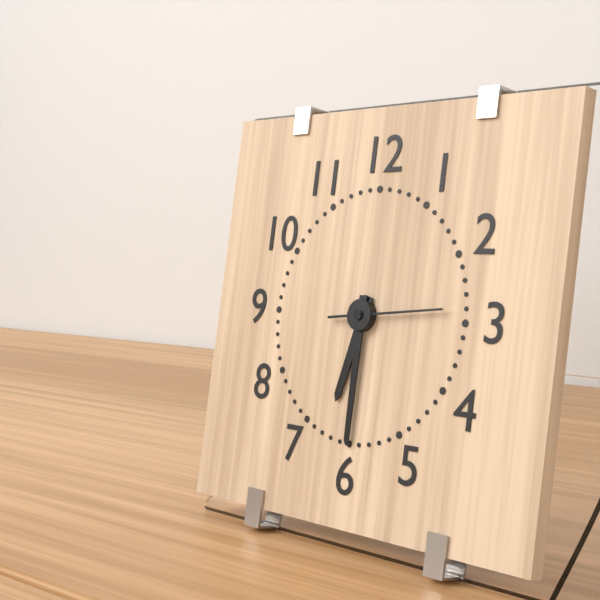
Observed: **6:30:14**
